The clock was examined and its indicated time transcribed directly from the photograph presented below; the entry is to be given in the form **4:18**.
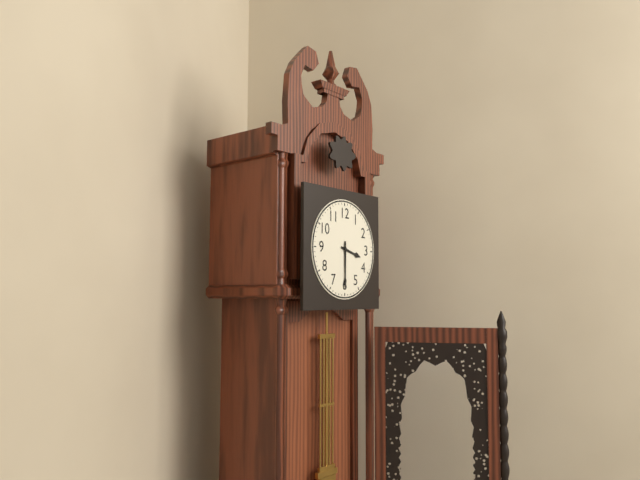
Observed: **3:30**
